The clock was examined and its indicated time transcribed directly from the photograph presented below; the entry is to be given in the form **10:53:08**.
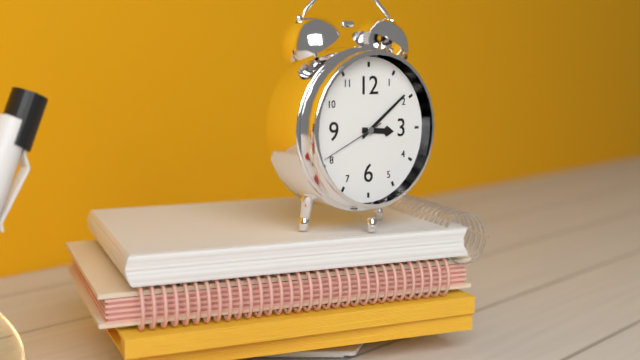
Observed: **3:09:41**
